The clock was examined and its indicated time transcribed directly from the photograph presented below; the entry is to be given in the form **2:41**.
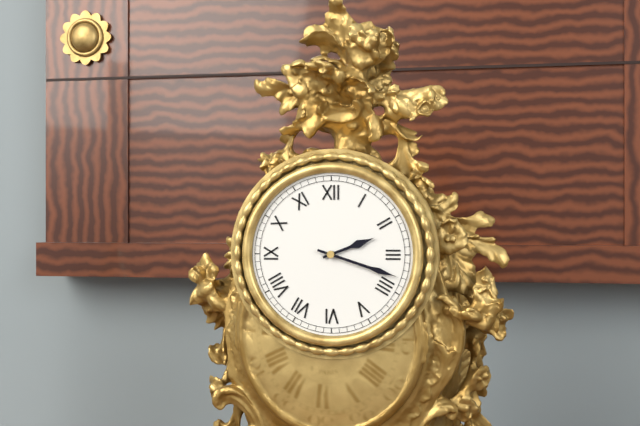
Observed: **2:18**
